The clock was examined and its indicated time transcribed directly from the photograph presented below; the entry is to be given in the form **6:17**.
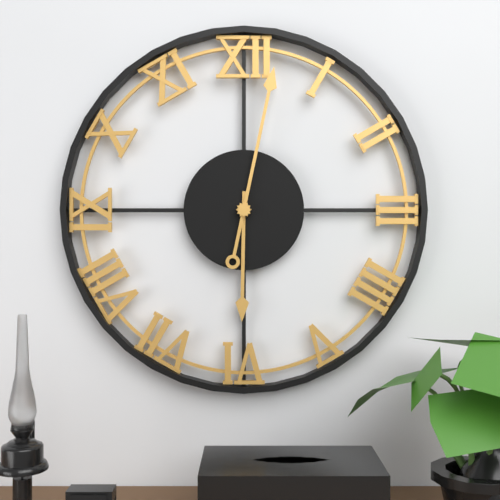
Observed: **6:02**
